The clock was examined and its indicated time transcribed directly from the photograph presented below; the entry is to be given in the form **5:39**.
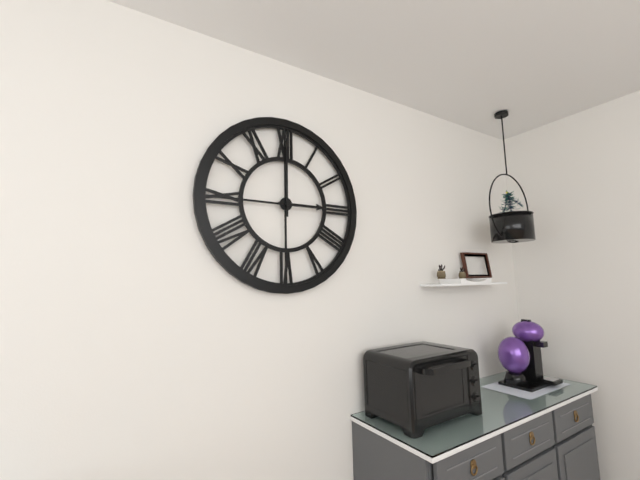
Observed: **3:00**
